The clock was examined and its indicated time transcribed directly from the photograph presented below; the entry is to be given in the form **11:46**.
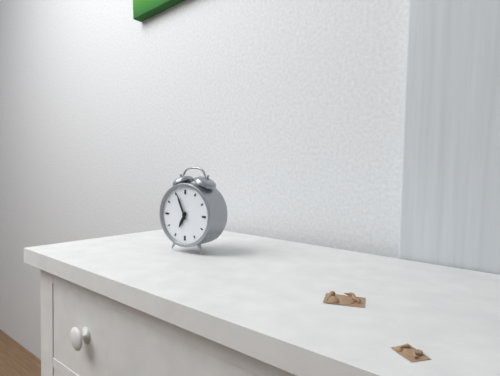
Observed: **6:56**
